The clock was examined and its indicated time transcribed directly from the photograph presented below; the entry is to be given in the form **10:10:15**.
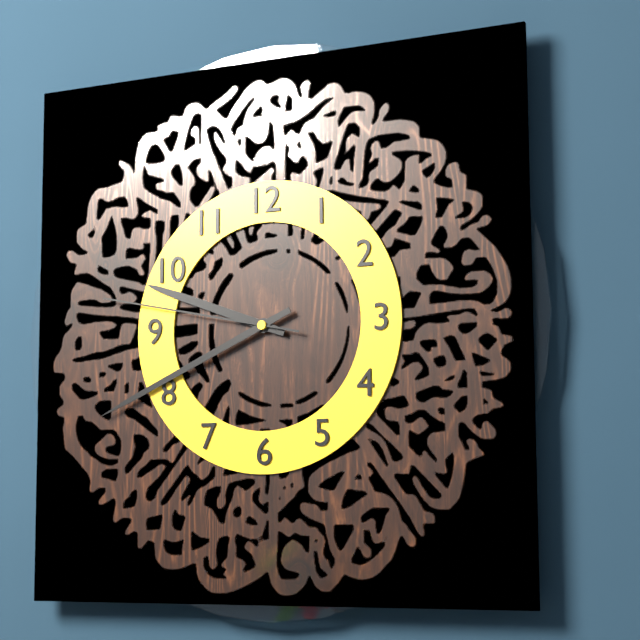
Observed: **9:41:47**
